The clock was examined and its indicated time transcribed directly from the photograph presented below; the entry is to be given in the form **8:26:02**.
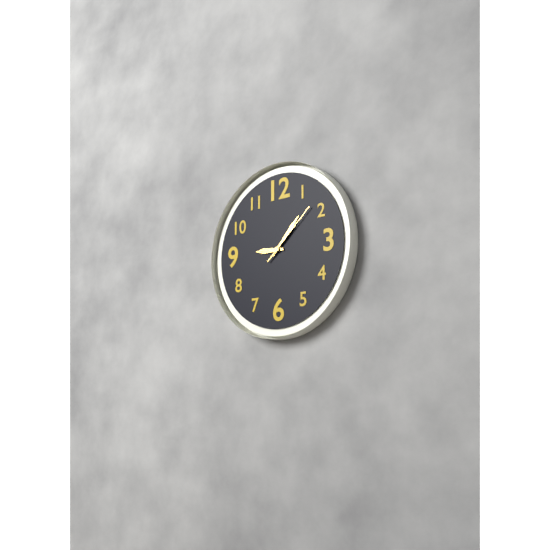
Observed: **9:07:08**
